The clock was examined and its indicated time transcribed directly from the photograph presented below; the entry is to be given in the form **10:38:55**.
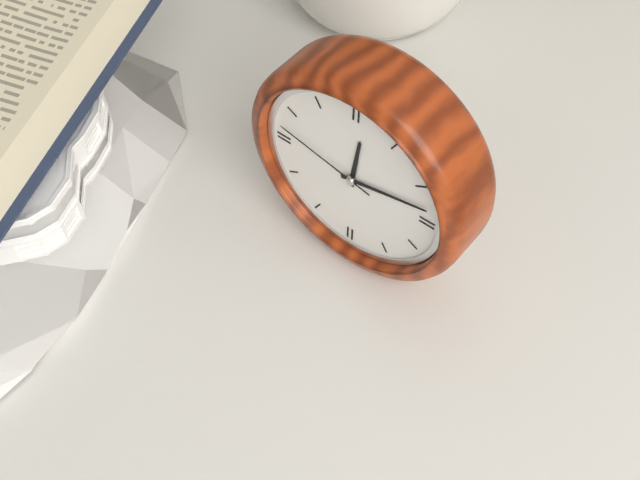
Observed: **12:13:47**
